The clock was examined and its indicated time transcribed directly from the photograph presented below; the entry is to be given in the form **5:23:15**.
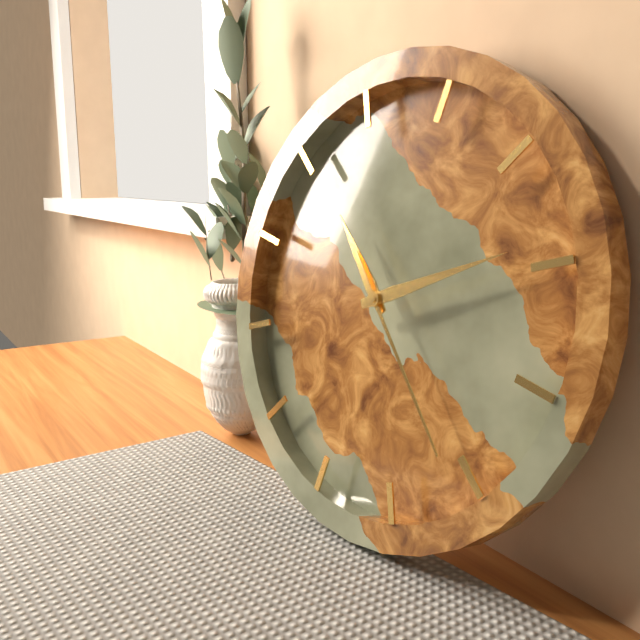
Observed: **10:09:21**
